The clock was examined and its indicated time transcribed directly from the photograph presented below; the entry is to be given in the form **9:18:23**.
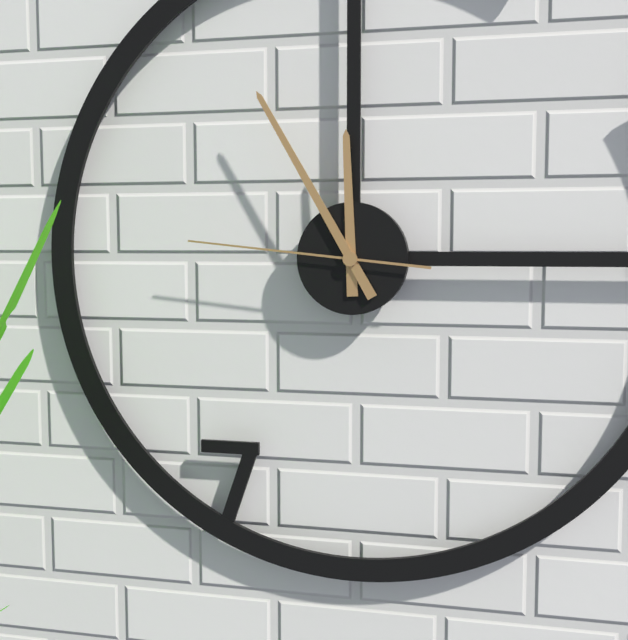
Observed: **11:55:46**
